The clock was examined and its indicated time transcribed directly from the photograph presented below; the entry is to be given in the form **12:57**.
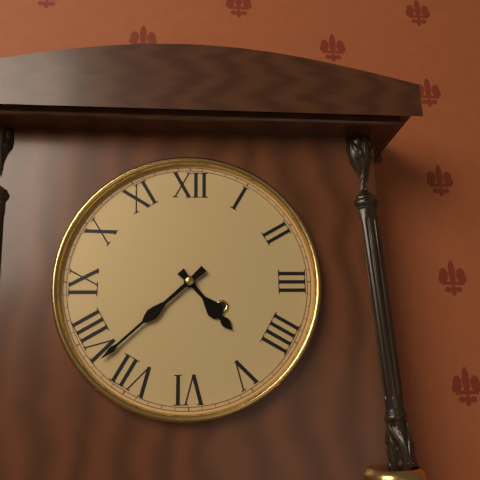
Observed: **4:38**
